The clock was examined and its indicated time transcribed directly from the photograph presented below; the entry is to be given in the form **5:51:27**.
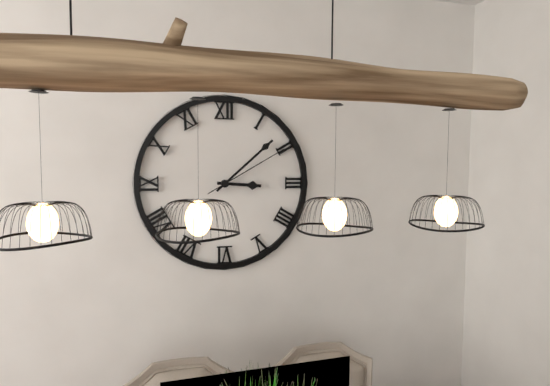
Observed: **3:08:10**
